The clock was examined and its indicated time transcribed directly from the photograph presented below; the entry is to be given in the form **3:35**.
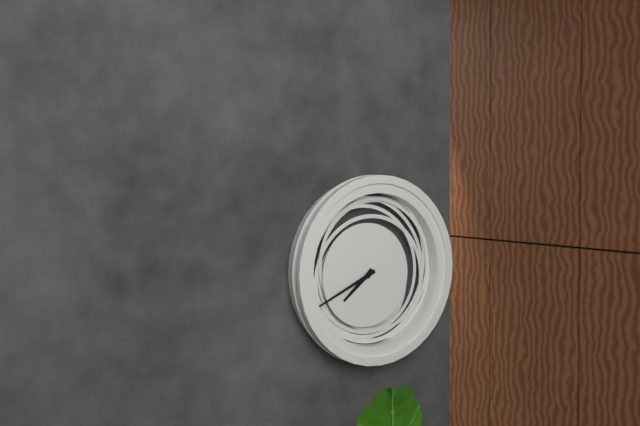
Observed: **7:41**
